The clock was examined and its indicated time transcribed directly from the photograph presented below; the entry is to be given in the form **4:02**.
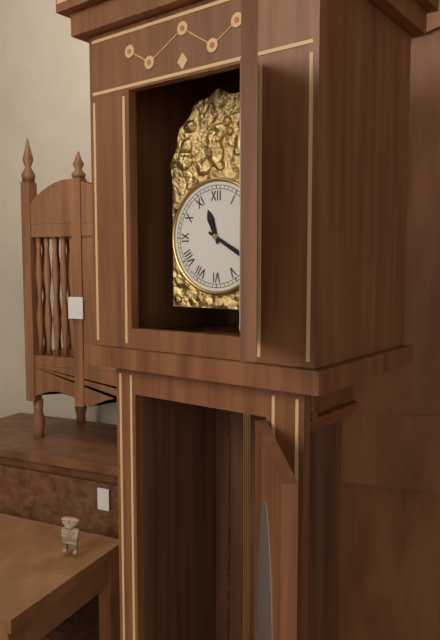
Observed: **11:20**
